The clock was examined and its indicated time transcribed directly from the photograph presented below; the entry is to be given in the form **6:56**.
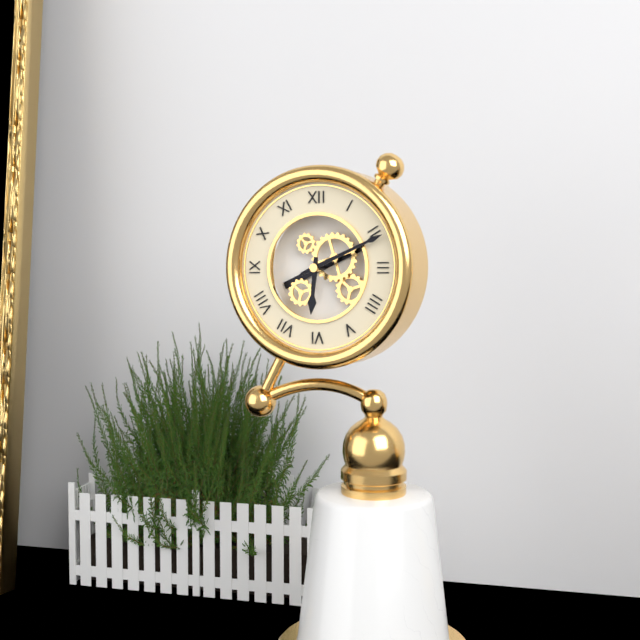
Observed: **6:11**
